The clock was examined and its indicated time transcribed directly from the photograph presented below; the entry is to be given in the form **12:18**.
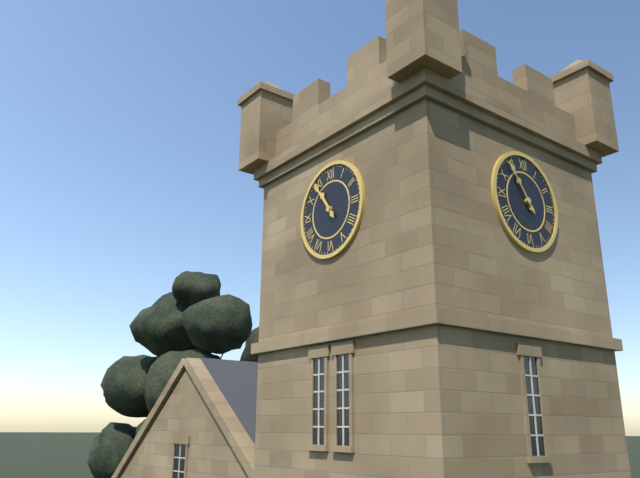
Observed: **10:54**
